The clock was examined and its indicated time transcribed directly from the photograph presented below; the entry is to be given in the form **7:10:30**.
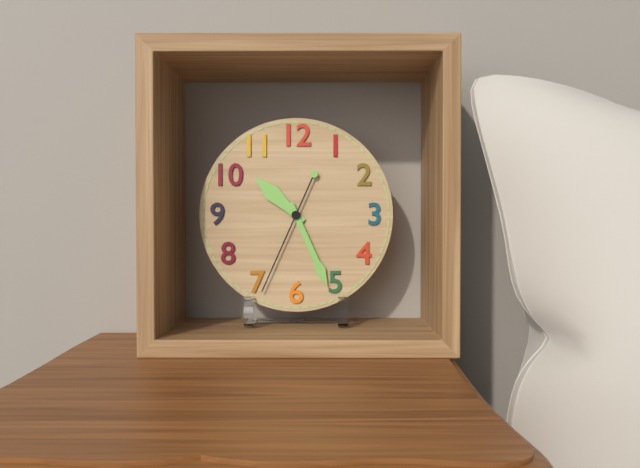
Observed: **10:26:34**
